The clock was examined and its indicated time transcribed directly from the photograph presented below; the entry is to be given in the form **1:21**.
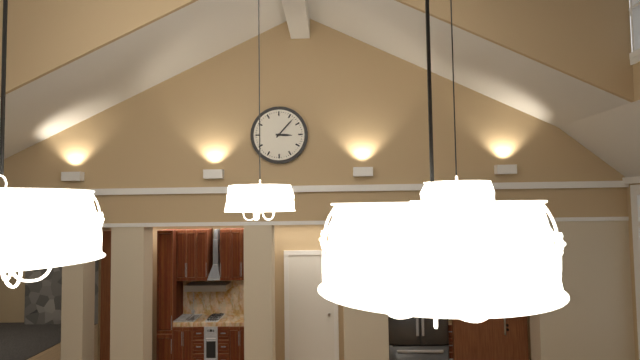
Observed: **3:07**
